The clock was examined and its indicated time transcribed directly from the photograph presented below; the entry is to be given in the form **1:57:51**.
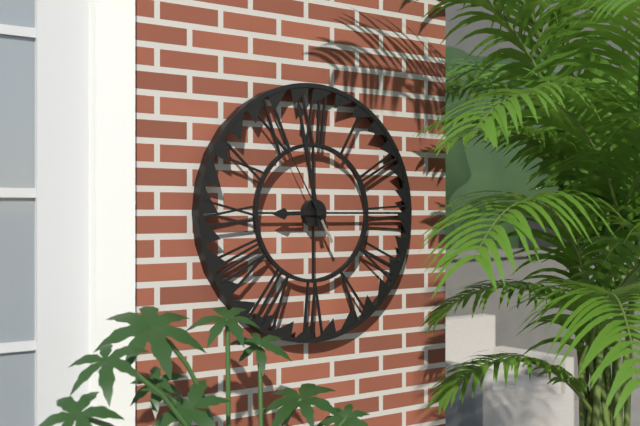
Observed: **8:58:55**
